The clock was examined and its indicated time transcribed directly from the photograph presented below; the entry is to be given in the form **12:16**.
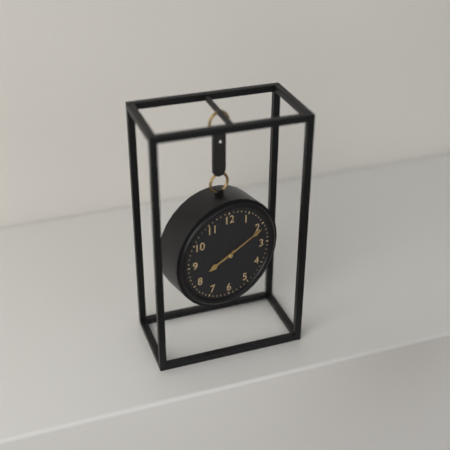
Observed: **8:11**
